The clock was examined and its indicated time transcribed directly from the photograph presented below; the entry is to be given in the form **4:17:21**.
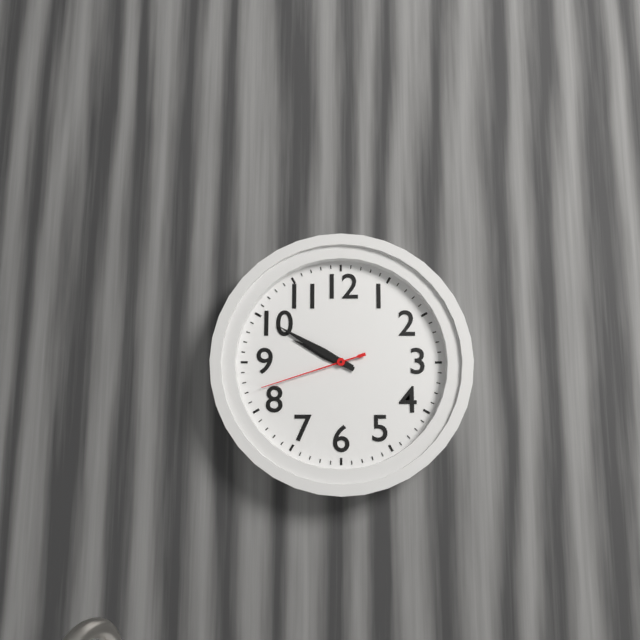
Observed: **9:50:42**
